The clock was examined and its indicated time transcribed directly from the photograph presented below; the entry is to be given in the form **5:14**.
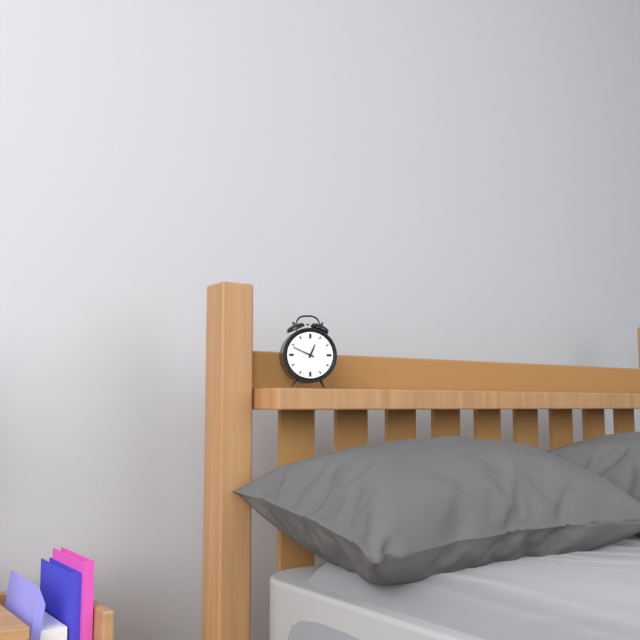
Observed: **12:49**
